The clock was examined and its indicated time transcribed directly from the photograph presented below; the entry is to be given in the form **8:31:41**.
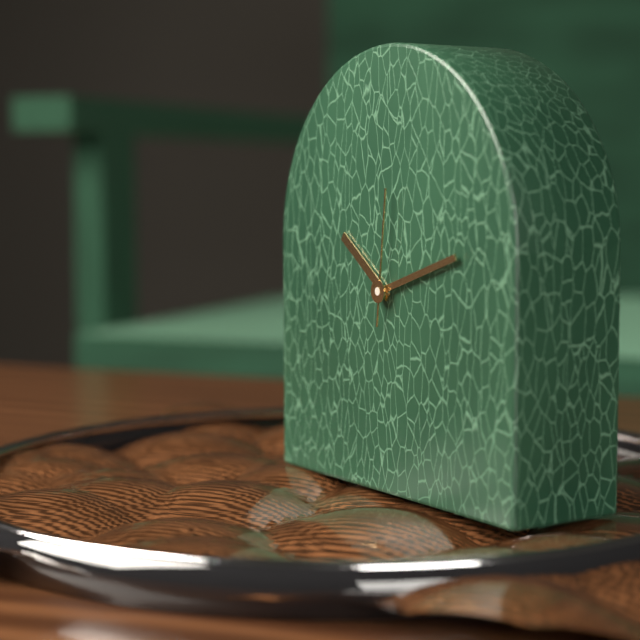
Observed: **10:12:01**
